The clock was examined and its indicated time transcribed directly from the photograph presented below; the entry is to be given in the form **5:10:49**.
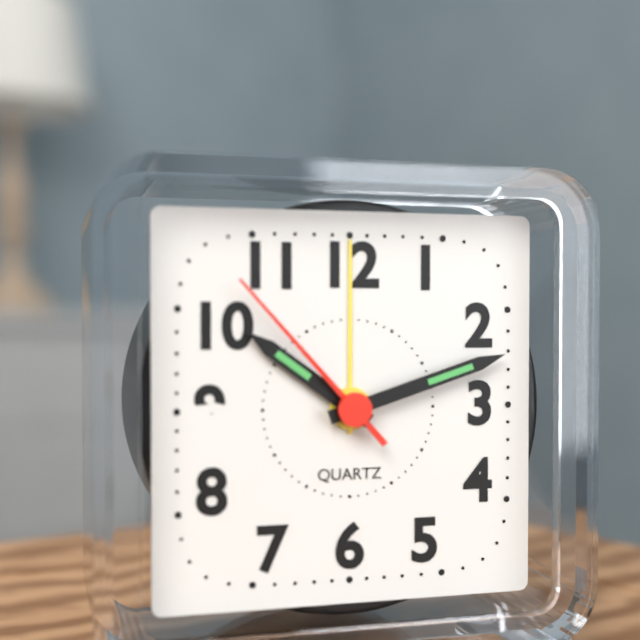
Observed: **10:12:53**
